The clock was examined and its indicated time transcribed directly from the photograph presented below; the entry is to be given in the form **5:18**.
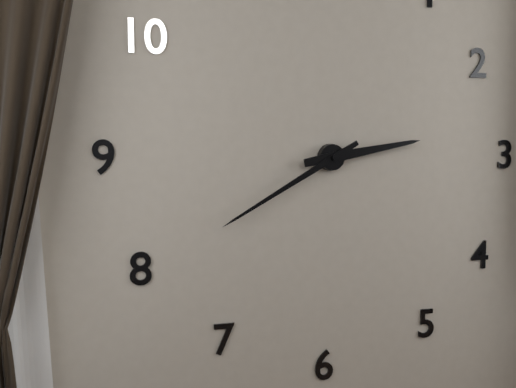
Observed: **2:40**
